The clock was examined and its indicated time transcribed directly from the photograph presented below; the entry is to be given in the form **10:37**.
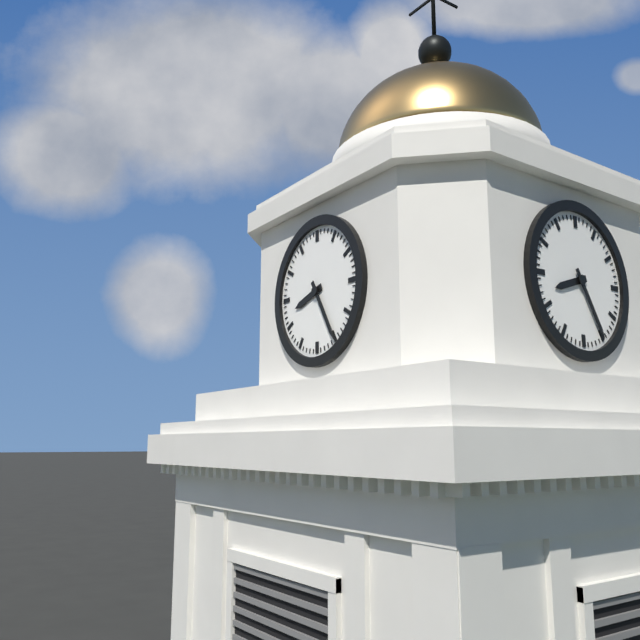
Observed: **8:25**
